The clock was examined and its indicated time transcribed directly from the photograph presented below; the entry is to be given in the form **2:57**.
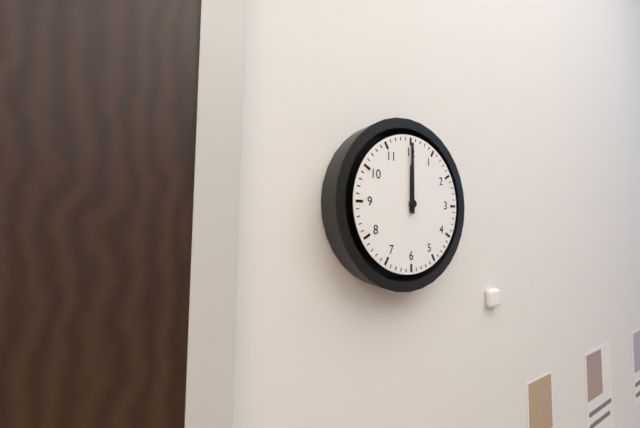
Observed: **12:00**
